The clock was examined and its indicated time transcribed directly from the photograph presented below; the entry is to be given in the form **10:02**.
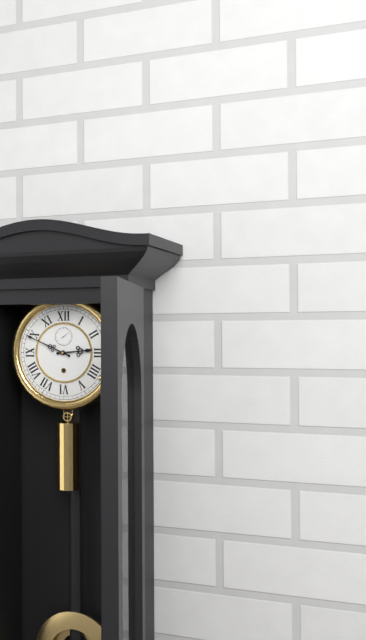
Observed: **2:49**
